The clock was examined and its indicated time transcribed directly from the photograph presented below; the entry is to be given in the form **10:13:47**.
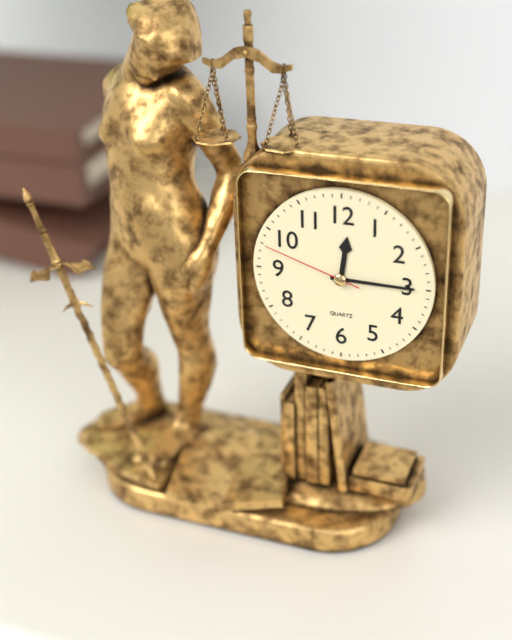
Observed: **12:15:48**
